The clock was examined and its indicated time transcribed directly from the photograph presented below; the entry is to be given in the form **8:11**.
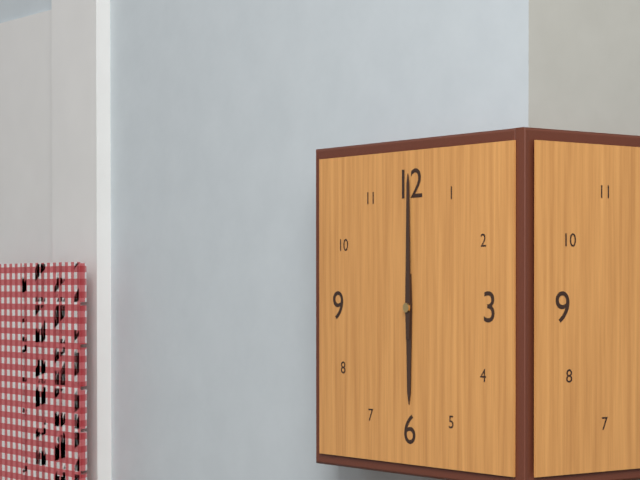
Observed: **6:00**
